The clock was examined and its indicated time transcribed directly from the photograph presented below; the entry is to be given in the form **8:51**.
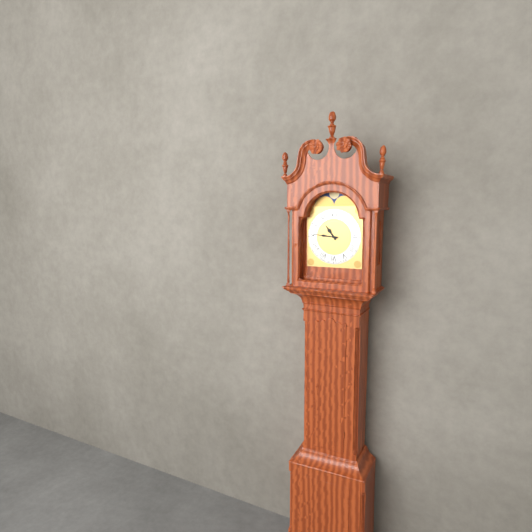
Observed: **10:46**
